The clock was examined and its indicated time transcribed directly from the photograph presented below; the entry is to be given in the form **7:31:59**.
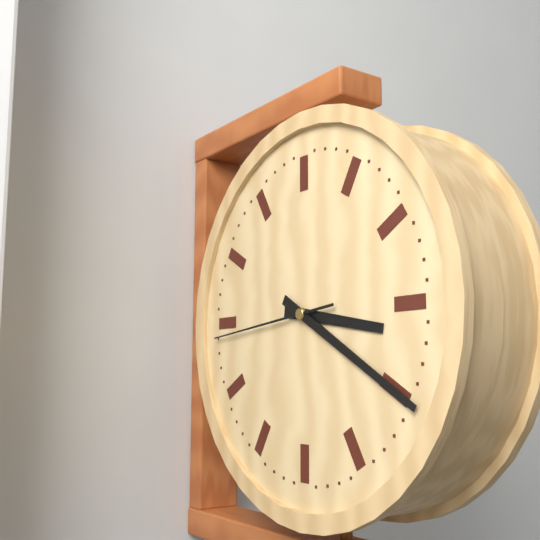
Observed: **3:20:44**
